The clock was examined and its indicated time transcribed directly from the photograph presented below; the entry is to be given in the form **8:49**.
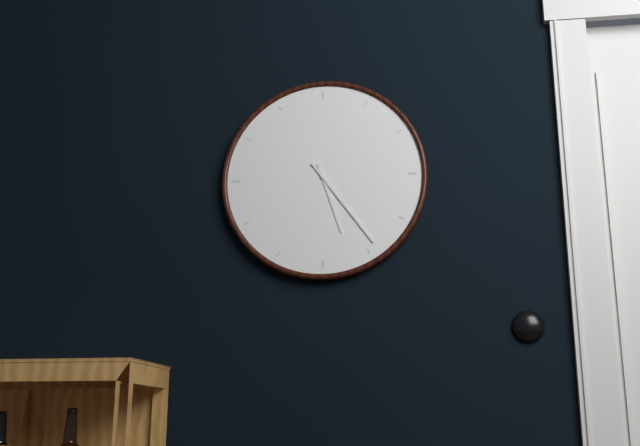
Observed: **5:24**
